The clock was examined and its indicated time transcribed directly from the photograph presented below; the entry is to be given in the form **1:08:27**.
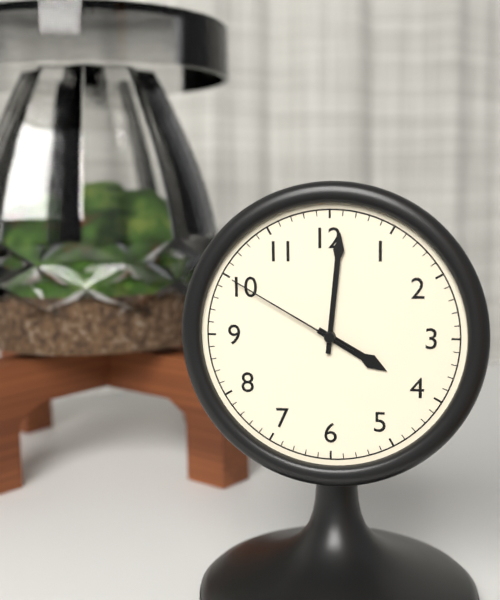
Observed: **4:01:50**
